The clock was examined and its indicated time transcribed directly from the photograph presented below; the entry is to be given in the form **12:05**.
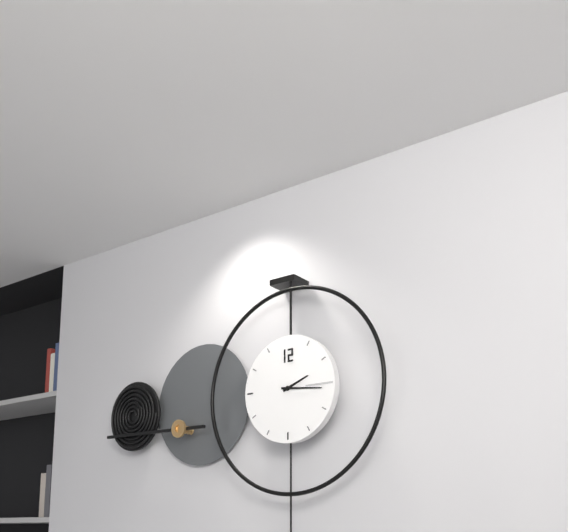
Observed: **2:16**
